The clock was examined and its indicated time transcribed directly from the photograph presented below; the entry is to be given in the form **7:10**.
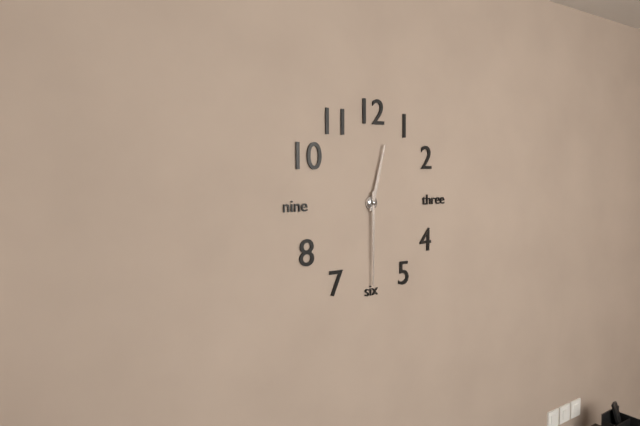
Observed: **12:30**
